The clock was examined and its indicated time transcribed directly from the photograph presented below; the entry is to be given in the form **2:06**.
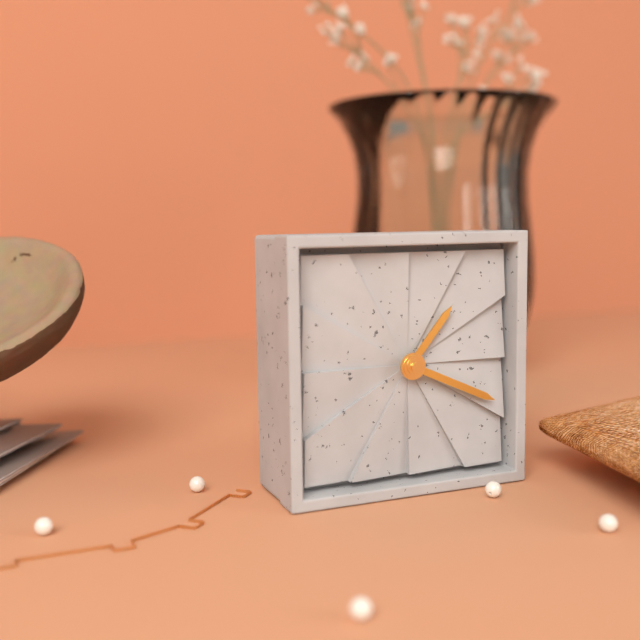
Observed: **1:19**
